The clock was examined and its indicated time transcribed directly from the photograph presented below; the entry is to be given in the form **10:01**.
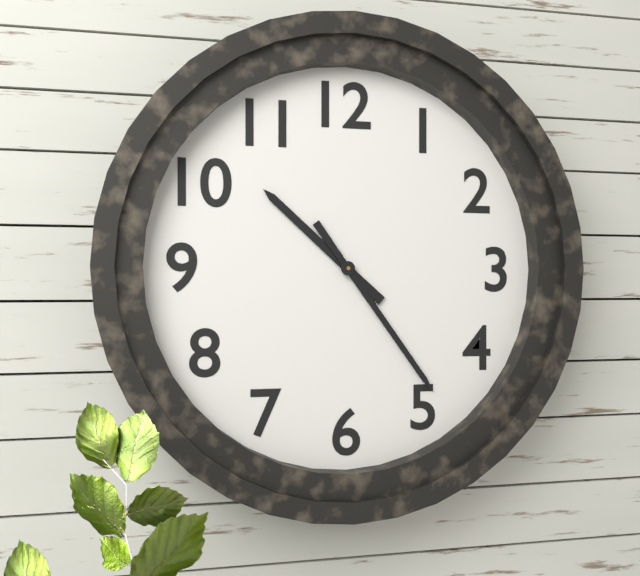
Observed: **10:24**
